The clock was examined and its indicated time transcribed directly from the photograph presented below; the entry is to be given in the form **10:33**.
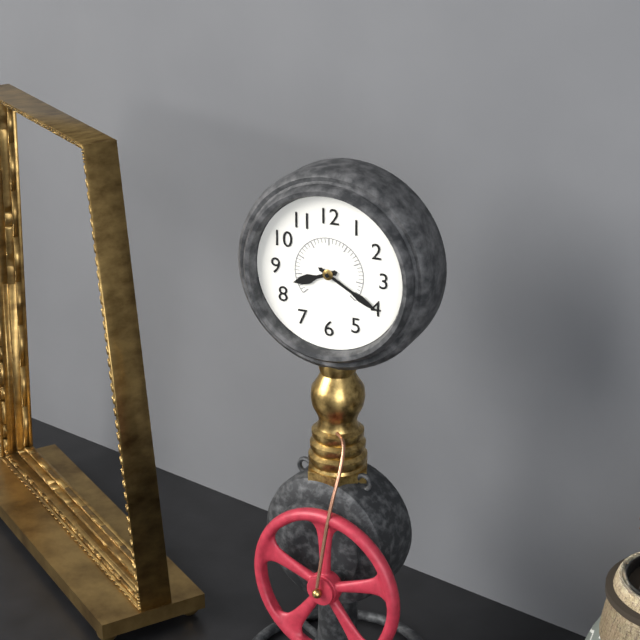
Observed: **8:20**
